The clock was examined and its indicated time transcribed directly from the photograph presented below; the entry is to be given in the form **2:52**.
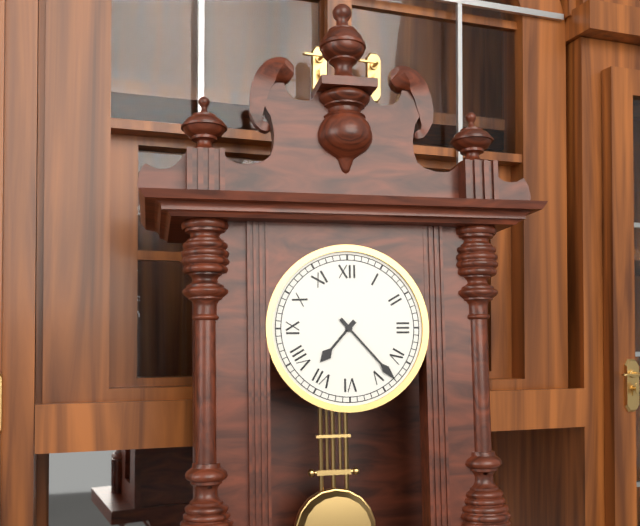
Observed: **7:23**
